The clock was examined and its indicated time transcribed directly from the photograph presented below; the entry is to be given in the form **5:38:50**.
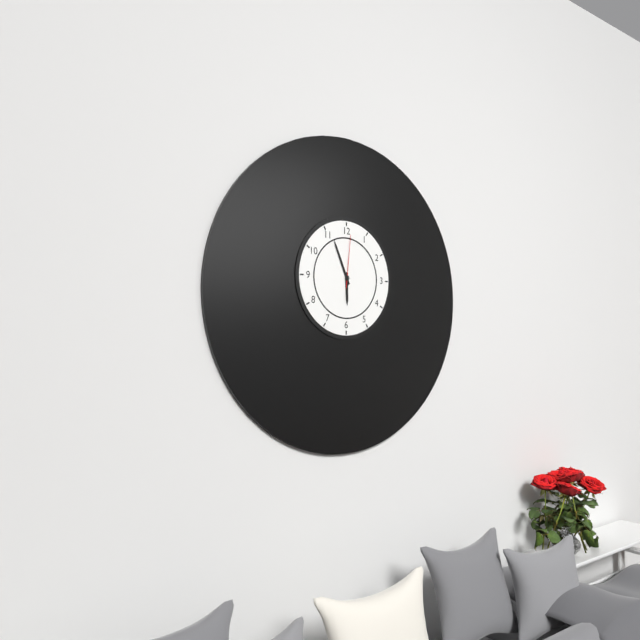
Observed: **5:56:01**
